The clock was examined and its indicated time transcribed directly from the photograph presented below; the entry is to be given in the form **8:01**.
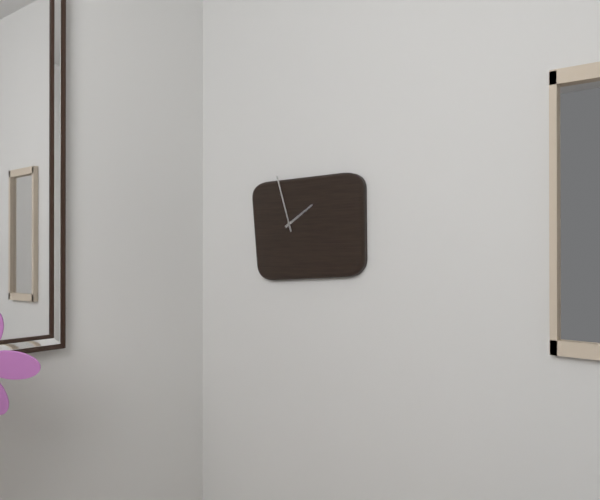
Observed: **1:57**
